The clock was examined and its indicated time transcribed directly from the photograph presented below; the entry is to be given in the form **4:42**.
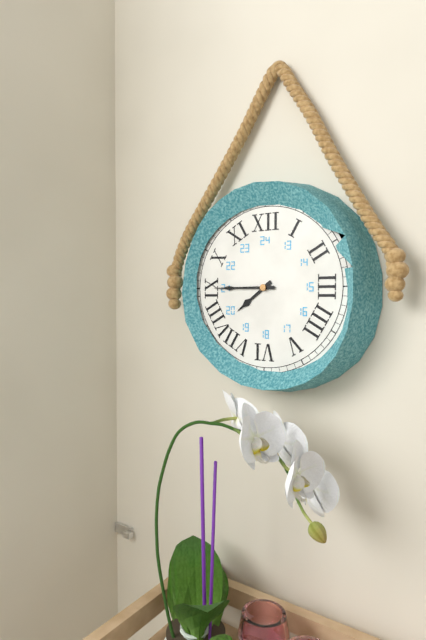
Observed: **7:45**
